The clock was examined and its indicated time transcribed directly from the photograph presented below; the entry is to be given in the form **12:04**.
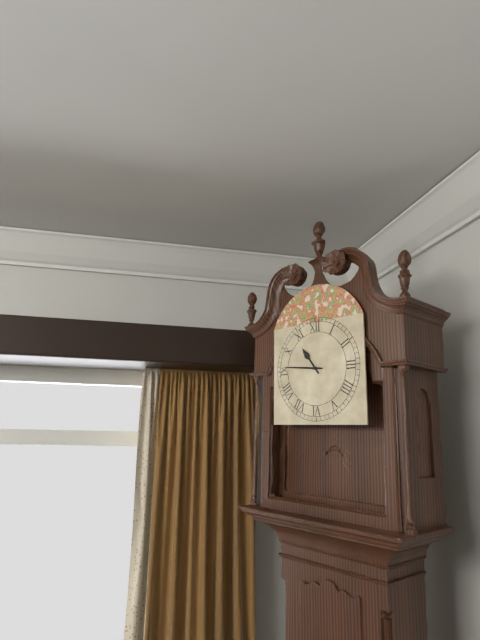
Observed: **10:46**
